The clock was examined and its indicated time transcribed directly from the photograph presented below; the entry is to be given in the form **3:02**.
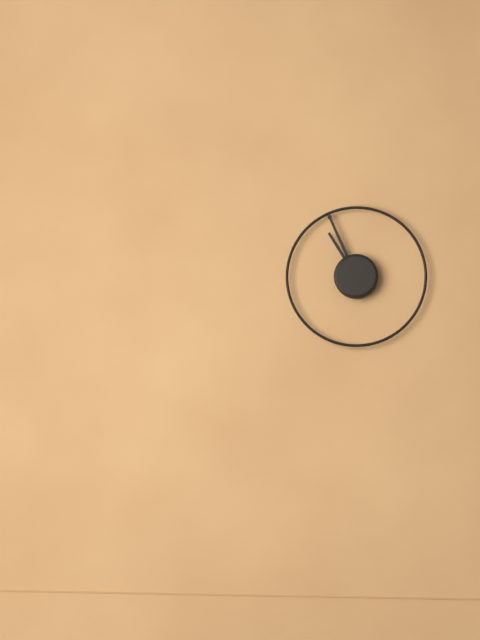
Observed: **10:56**
